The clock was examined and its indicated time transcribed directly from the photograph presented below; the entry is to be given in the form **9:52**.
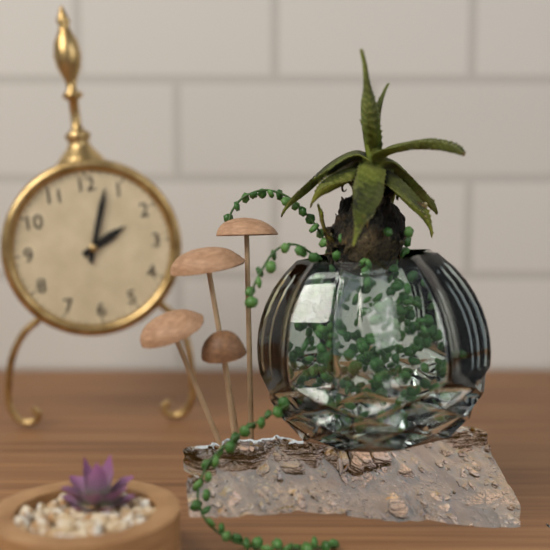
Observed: **2:03**
